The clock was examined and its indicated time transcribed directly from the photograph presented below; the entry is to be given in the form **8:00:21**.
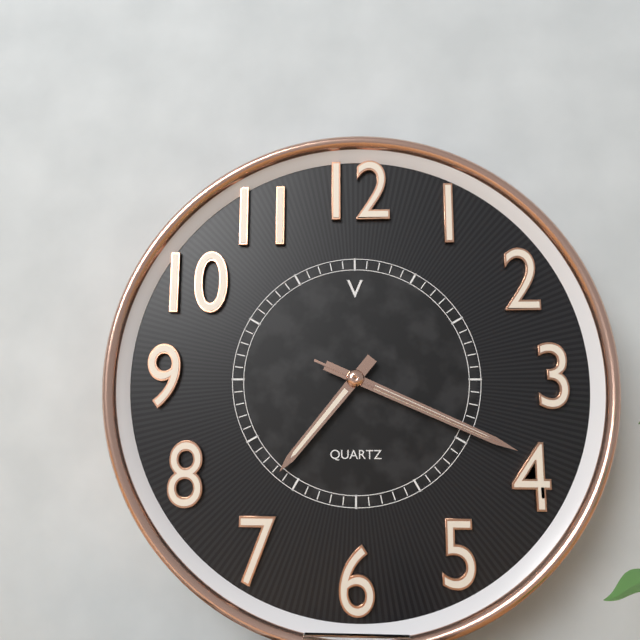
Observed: **7:19:19**
